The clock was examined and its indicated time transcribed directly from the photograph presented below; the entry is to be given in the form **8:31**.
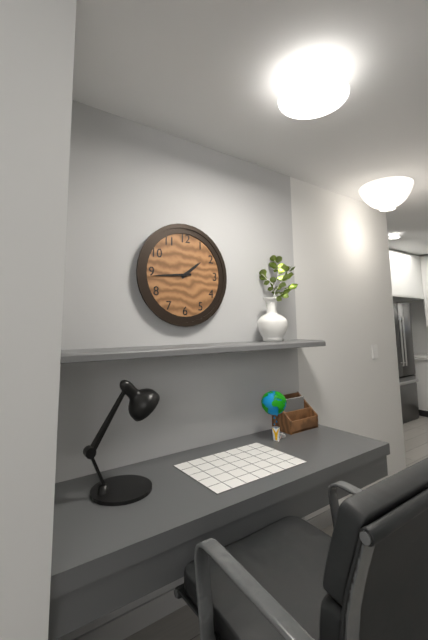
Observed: **1:44**
